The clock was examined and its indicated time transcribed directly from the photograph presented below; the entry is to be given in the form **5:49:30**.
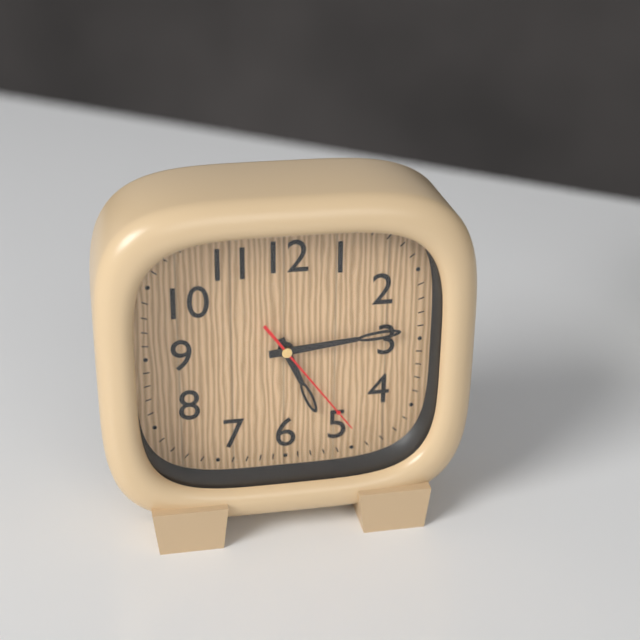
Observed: **5:14:24**
